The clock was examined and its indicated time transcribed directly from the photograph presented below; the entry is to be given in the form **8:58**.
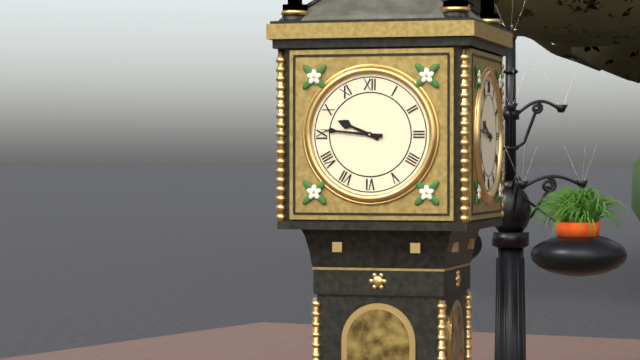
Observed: **9:46**
